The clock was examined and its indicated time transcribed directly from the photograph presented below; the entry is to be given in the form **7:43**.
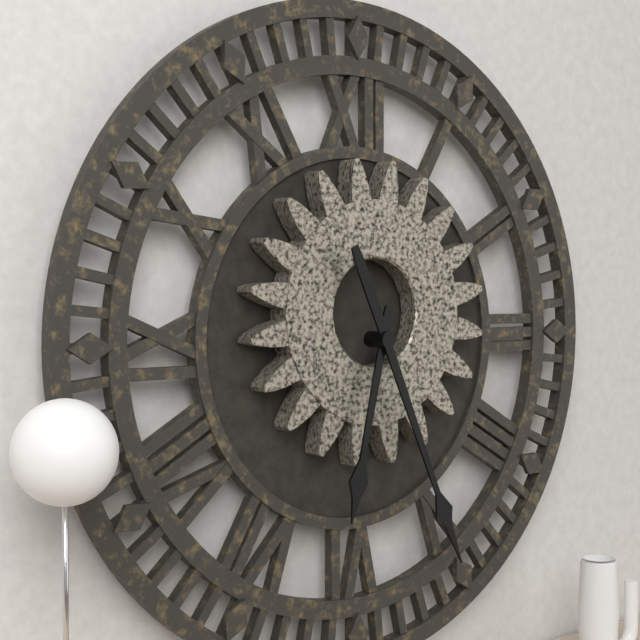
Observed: **6:26**
